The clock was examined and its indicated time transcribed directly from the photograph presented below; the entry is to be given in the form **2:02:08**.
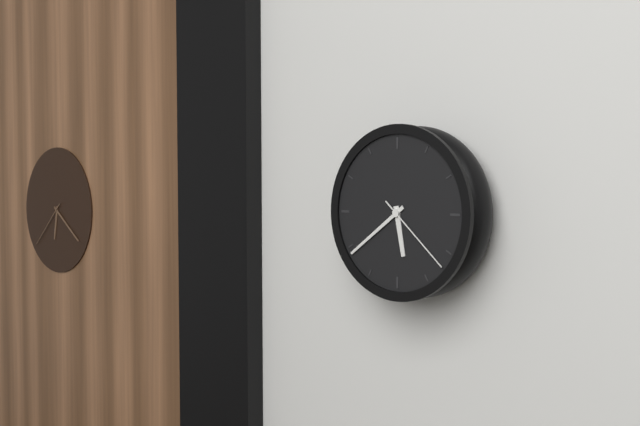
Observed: **5:39:22**
